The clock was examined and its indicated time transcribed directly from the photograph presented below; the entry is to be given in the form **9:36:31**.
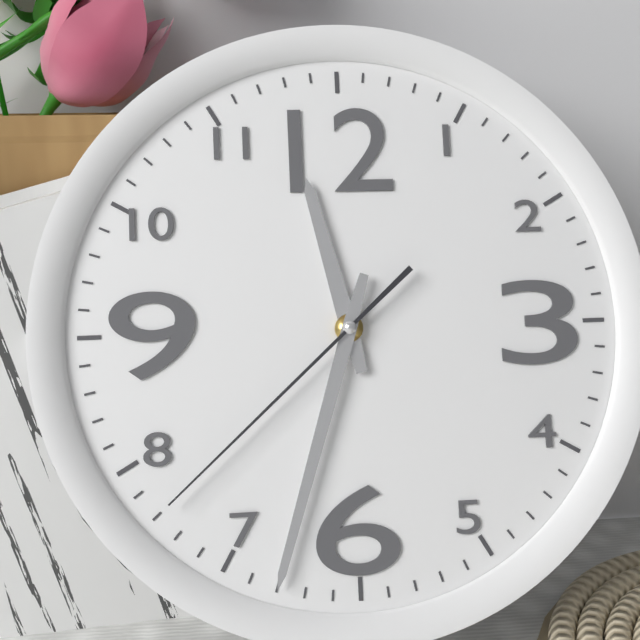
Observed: **11:33:38**
